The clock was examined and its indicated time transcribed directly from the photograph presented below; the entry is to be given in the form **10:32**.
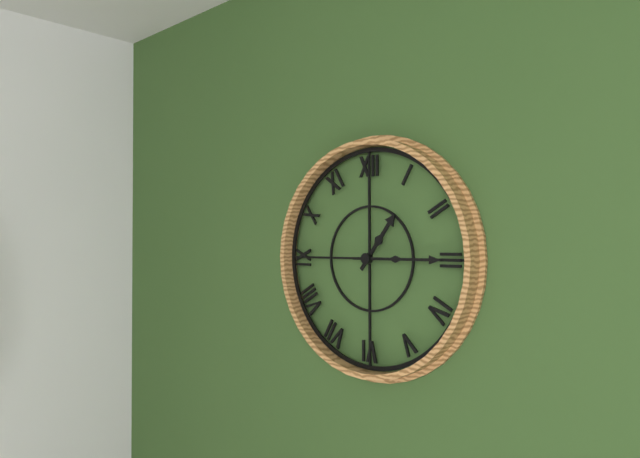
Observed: **1:15**
